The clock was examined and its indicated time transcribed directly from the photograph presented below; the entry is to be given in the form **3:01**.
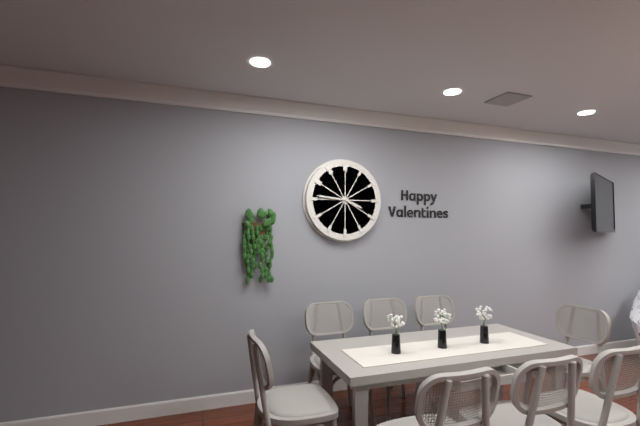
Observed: **3:46**
